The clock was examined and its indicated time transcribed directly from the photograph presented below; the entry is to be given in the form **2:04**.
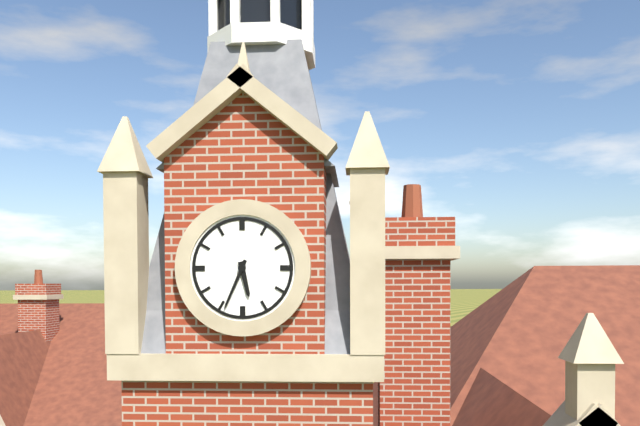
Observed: **5:34**
